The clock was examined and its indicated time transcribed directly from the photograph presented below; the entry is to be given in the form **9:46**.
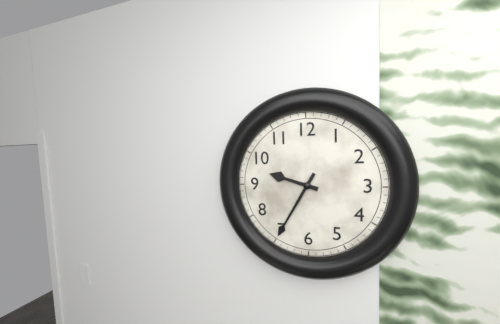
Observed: **9:35**
